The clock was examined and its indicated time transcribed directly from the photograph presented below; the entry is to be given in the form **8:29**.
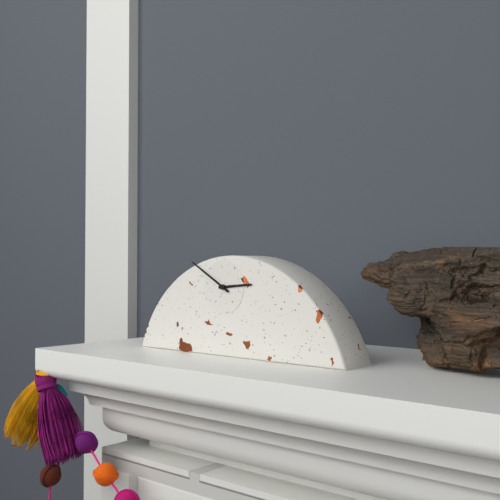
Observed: **2:50**
